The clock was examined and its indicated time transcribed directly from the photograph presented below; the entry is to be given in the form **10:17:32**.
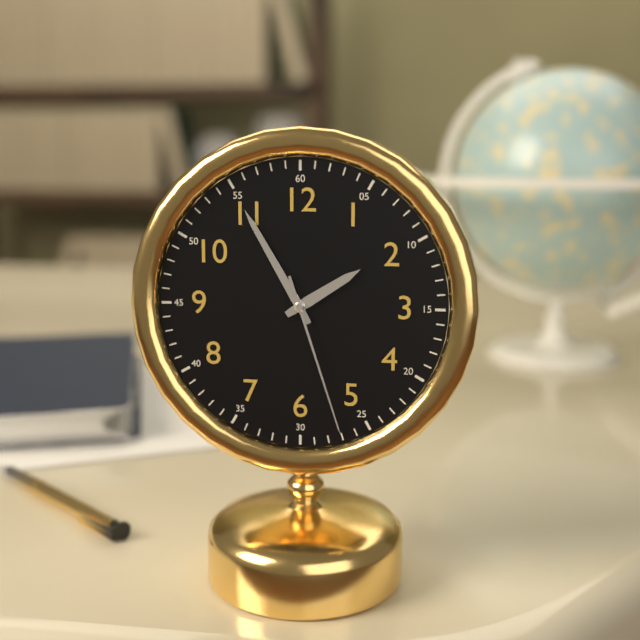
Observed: **1:55:27**
